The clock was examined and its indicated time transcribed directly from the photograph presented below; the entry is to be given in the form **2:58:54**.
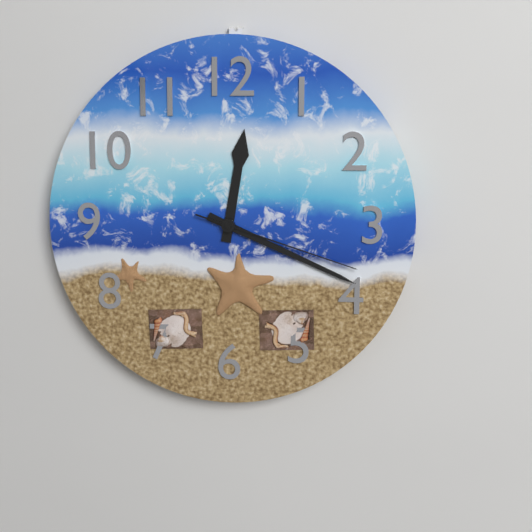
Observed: **12:19:18**
